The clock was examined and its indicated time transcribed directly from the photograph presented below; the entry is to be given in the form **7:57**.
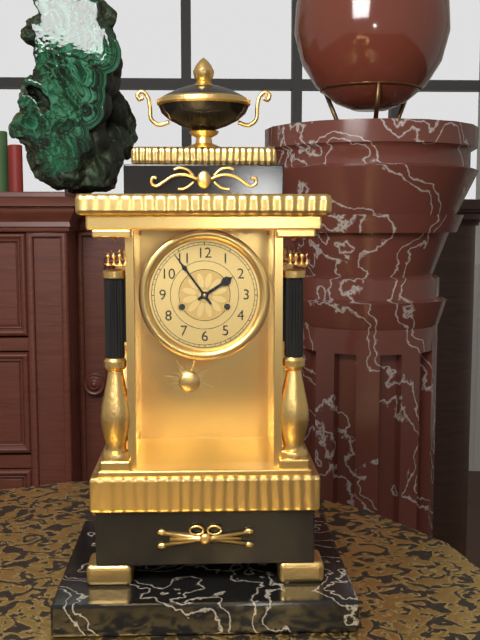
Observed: **1:54**
